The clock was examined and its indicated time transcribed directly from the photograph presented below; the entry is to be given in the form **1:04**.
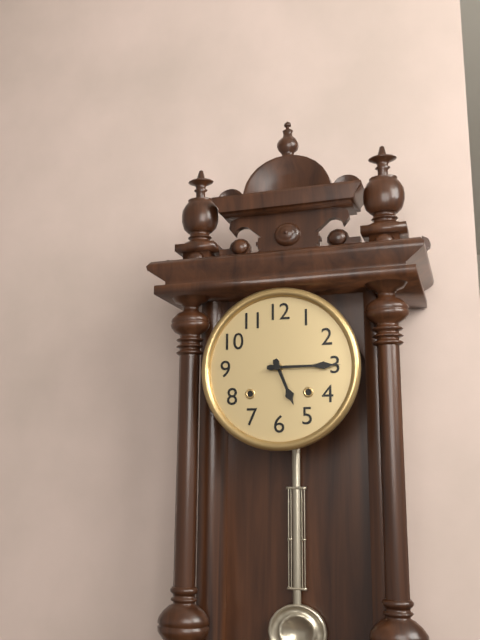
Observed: **5:15**
